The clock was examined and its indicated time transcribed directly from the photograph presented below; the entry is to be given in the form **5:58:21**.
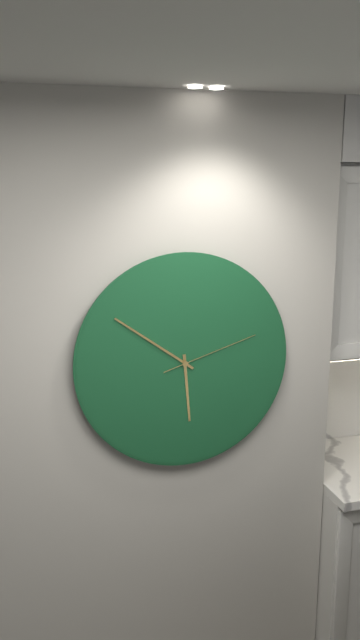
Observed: **5:51:12**
